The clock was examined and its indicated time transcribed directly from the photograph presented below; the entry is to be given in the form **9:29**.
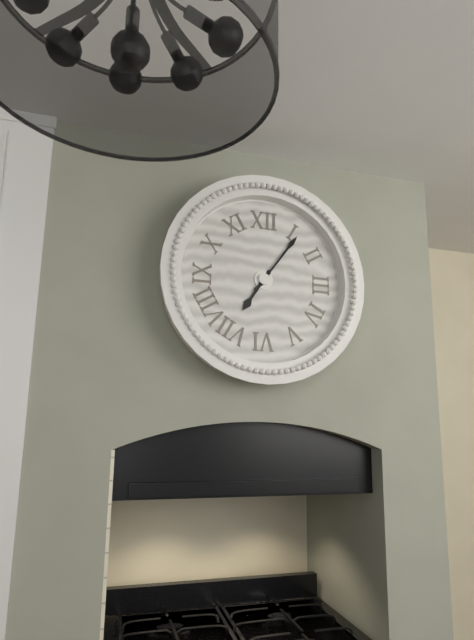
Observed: **7:06**
